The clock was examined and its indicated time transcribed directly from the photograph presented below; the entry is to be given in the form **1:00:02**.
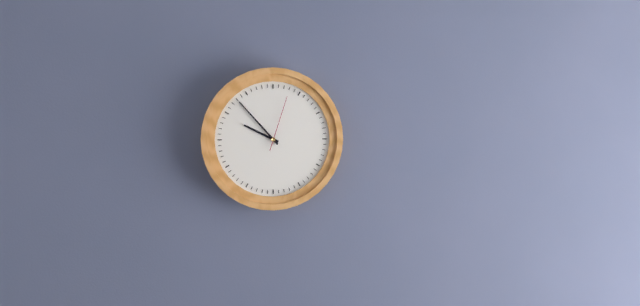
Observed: **9:53:03**
